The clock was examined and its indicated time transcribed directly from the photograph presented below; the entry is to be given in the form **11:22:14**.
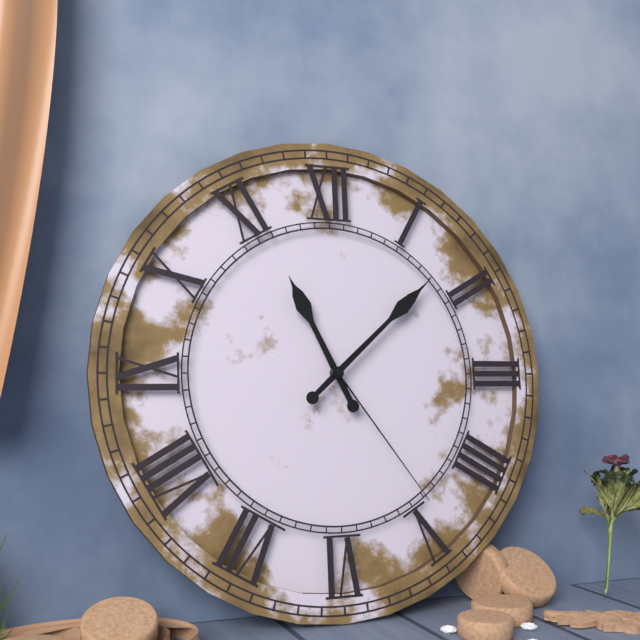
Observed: **11:08:24**
